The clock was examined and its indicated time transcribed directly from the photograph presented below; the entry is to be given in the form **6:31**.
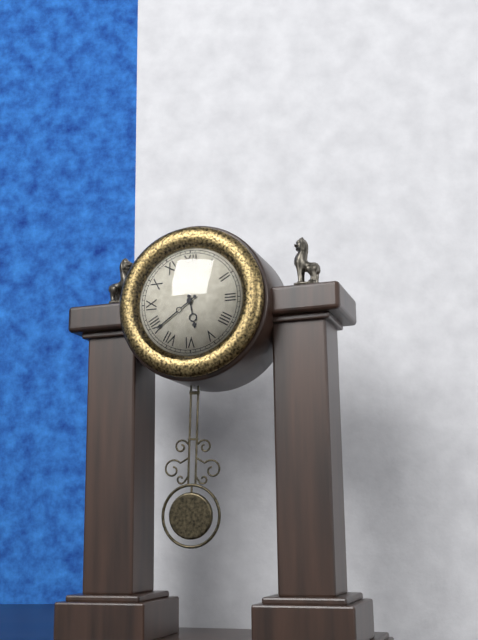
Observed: **5:39**
